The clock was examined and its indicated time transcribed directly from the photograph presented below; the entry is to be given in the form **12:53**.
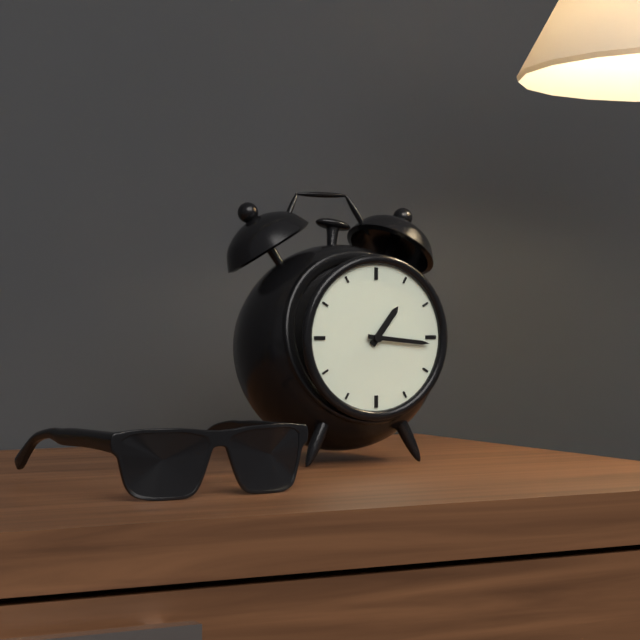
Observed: **1:16**
